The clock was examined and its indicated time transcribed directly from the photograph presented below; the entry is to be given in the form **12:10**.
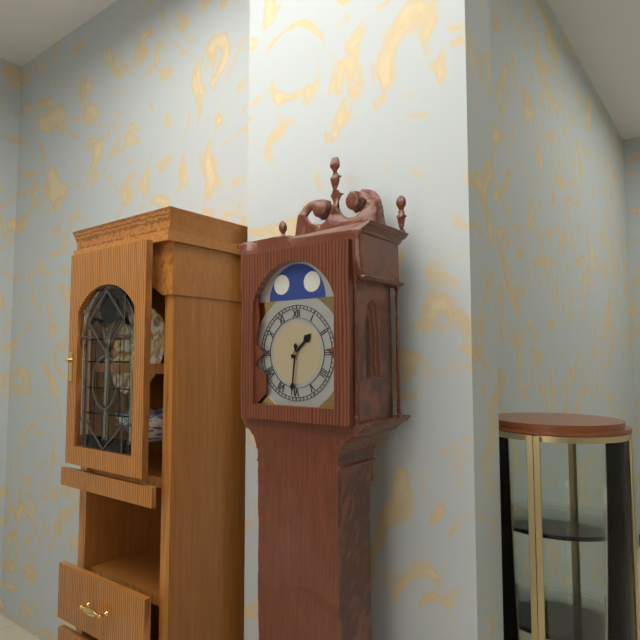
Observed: **1:31**
